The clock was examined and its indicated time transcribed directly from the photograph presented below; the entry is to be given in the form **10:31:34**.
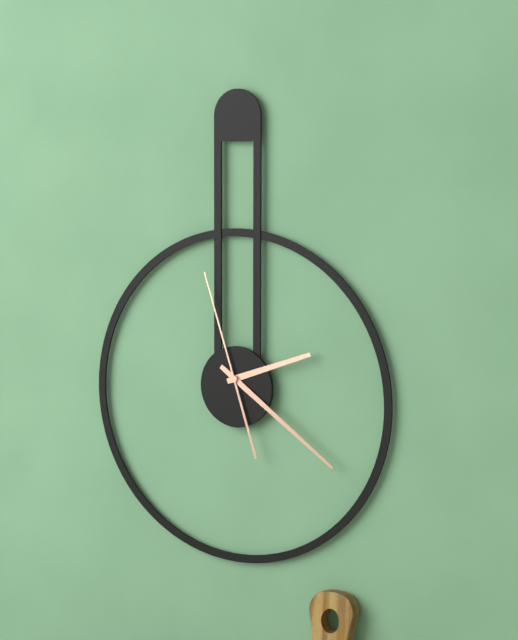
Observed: **2:21:57**
